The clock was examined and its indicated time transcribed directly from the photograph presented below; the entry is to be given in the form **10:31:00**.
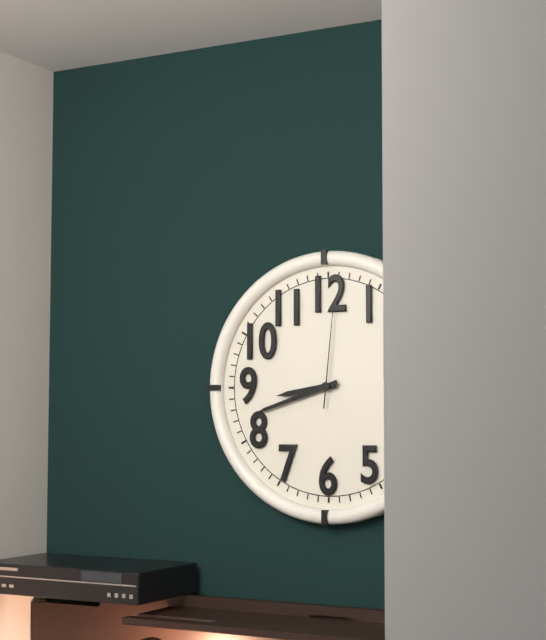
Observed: **8:42:01**
